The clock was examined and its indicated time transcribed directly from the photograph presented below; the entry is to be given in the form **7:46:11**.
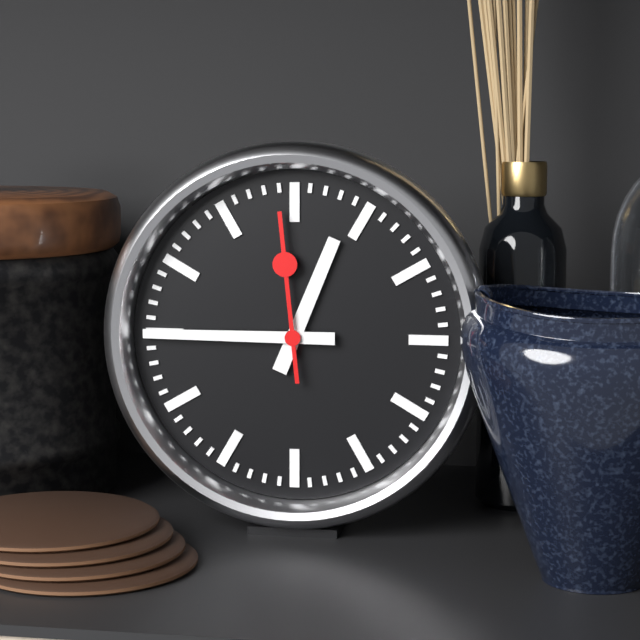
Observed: **12:45:59**
